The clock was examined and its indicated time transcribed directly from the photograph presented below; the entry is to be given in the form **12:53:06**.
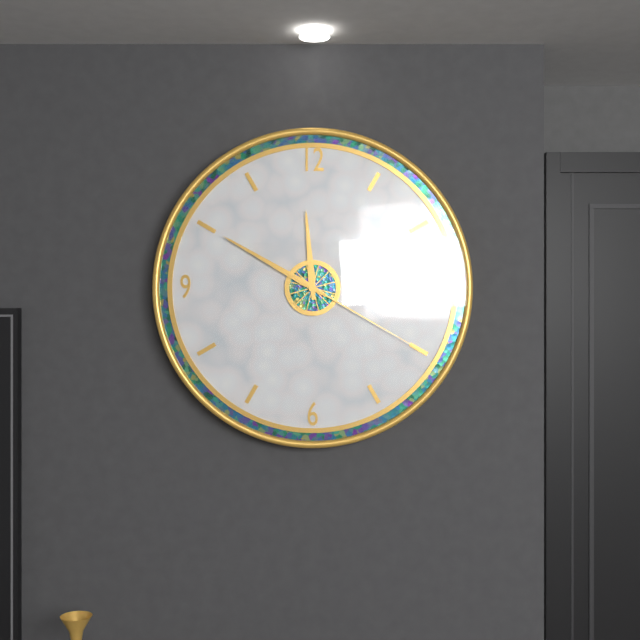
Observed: **11:50:20**
